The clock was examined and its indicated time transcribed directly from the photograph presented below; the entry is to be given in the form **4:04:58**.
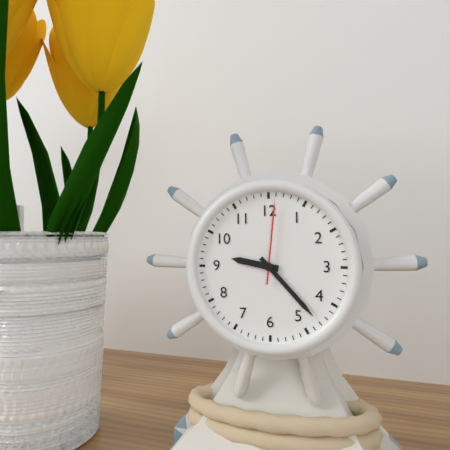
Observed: **9:23:01**
